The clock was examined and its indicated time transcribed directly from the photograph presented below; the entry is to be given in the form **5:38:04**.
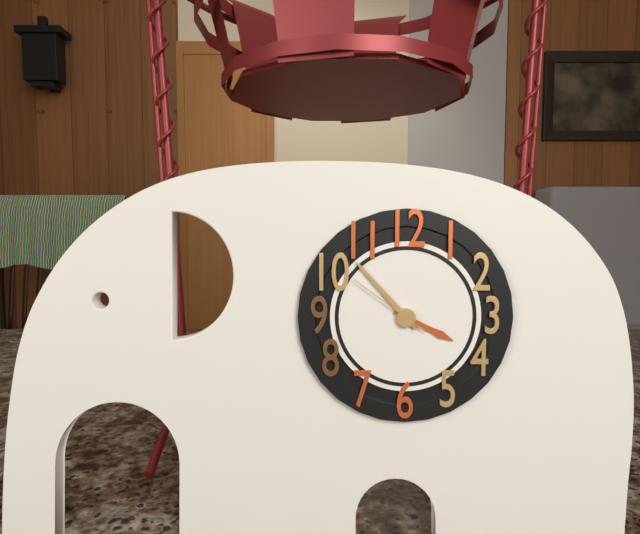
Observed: **3:53:51**
